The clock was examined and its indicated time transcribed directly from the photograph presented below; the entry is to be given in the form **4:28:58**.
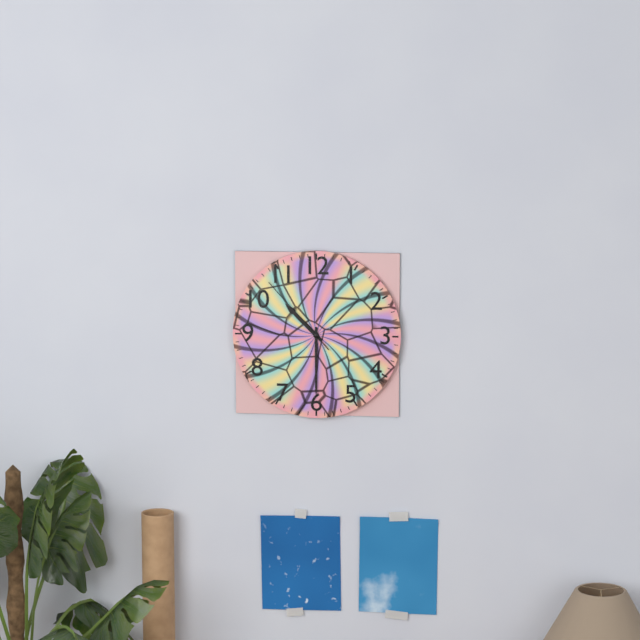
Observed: **10:30:53**
